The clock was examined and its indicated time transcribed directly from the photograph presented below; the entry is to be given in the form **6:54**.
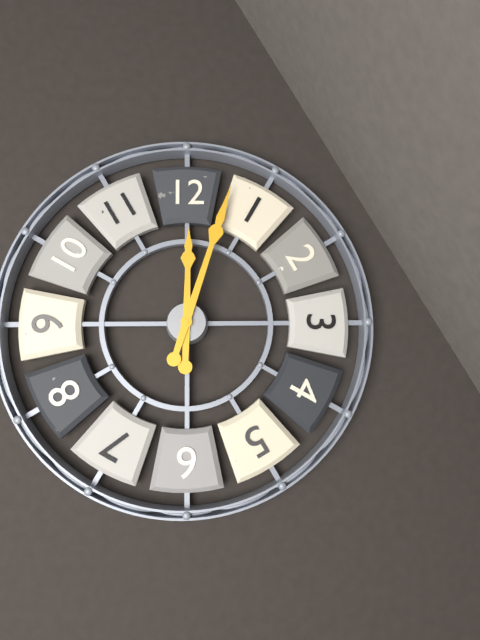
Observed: **12:03**
